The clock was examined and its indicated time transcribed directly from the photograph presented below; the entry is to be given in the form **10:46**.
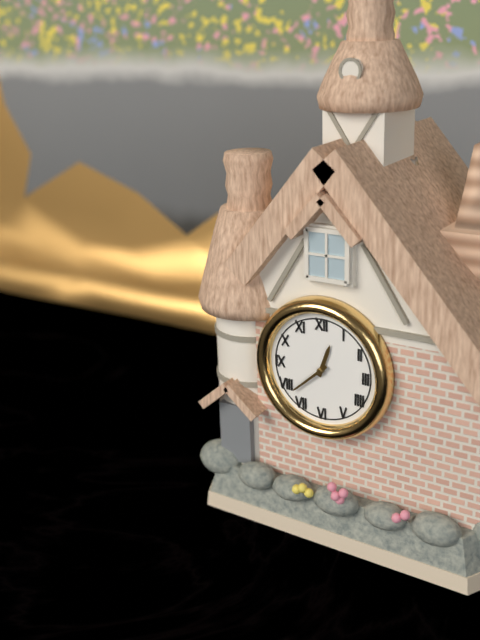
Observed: **12:38**
